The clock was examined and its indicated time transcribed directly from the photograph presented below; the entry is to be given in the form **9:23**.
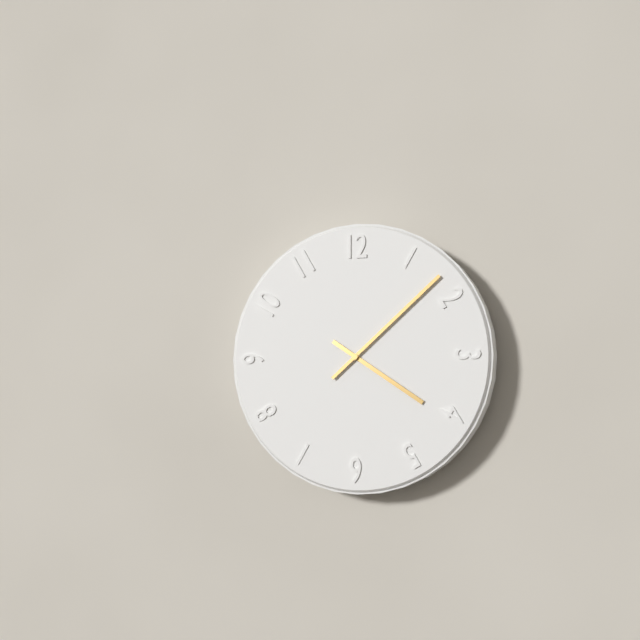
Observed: **4:08**
